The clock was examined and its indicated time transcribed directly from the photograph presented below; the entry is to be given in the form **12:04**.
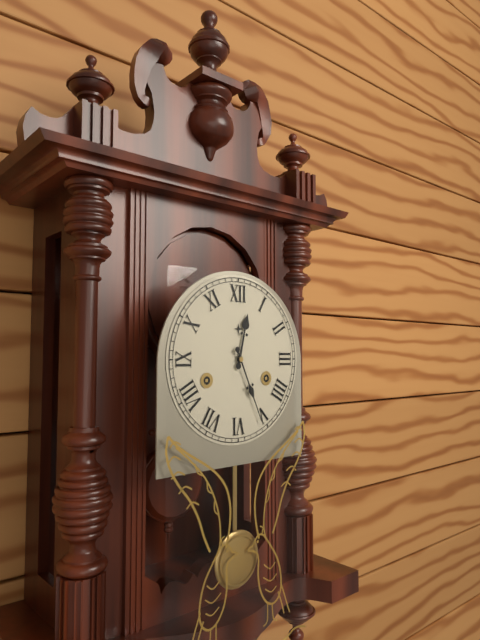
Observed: **12:26**
